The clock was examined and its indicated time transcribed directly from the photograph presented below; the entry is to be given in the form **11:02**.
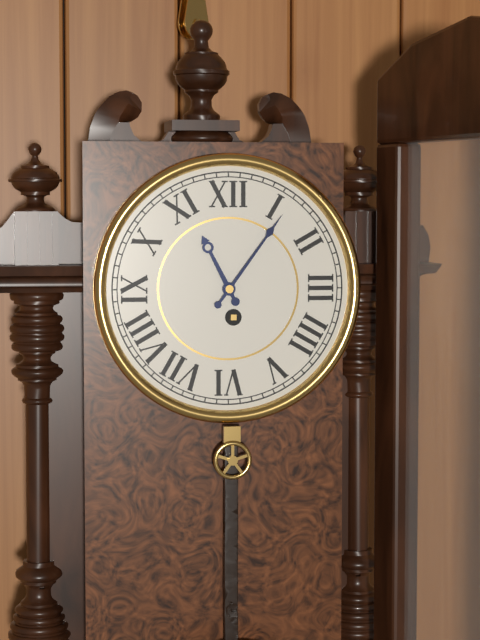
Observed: **11:06**
